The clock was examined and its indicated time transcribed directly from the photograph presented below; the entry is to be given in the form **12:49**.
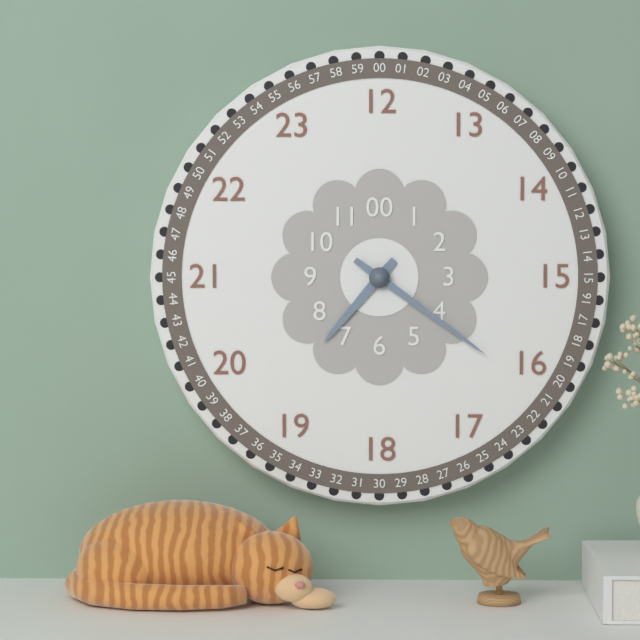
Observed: **7:21**
